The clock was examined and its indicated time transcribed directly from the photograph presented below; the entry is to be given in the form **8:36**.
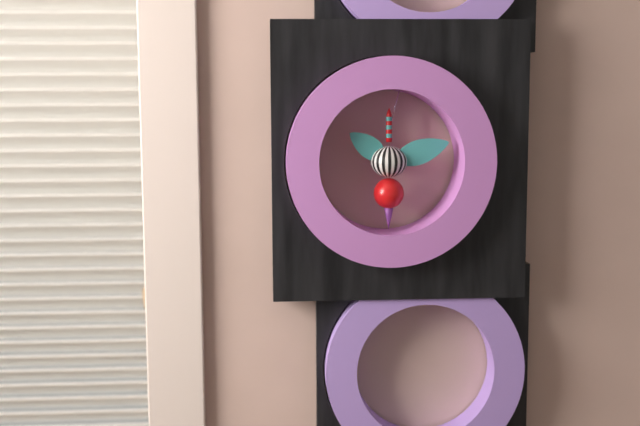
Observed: **10:12**
